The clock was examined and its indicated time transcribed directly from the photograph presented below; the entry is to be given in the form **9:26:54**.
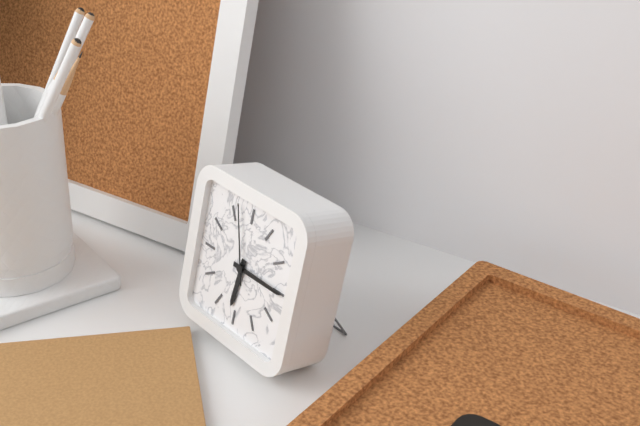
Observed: **6:15:57**
